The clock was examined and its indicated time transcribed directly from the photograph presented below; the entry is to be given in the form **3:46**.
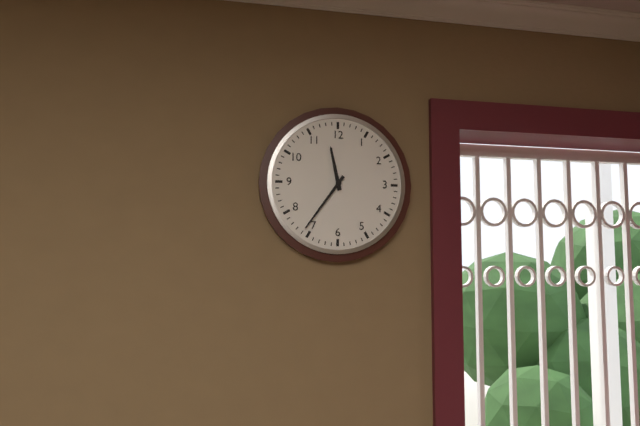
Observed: **11:36**
